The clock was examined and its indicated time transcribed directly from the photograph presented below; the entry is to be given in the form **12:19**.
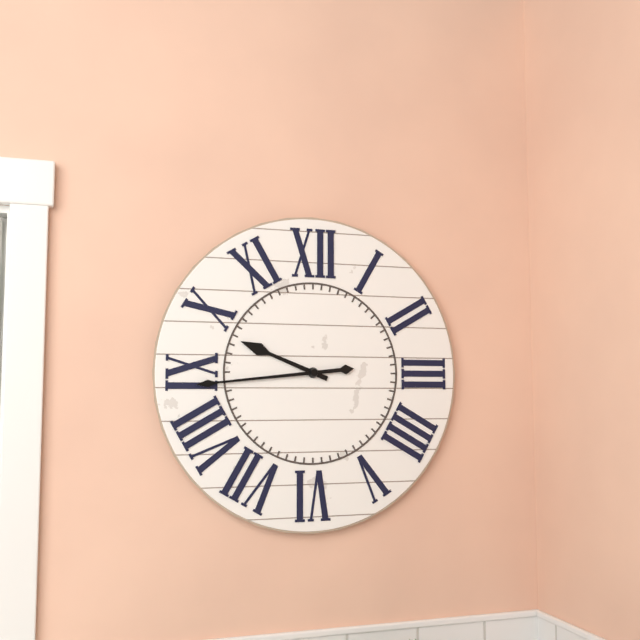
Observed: **9:44**
